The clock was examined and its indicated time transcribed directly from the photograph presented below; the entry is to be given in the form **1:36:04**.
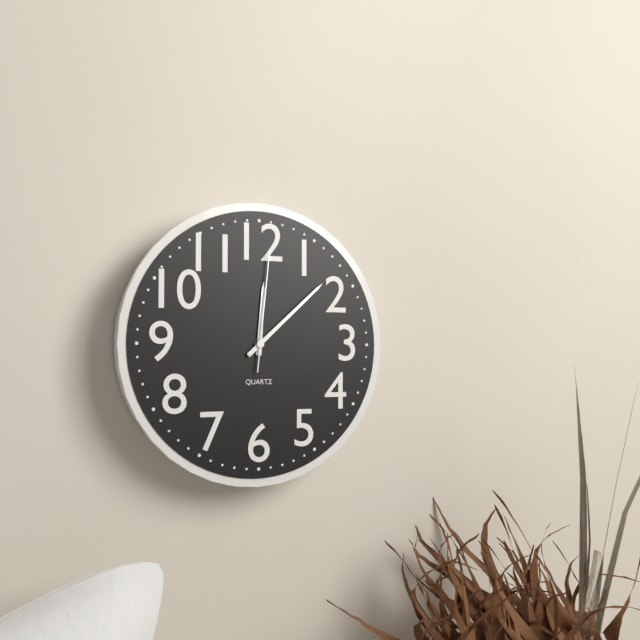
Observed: **12:08:01**
